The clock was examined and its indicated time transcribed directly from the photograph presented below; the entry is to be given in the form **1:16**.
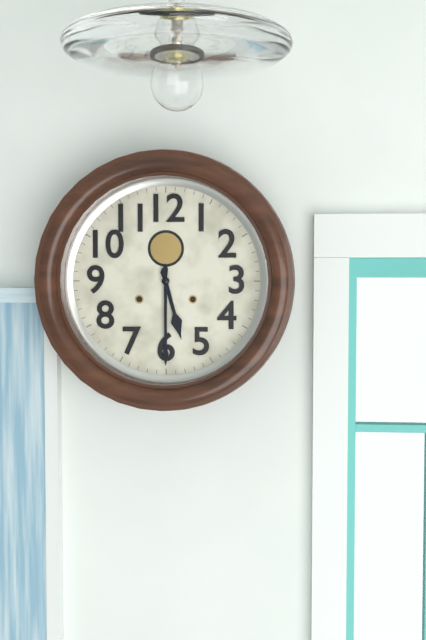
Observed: **5:30**
